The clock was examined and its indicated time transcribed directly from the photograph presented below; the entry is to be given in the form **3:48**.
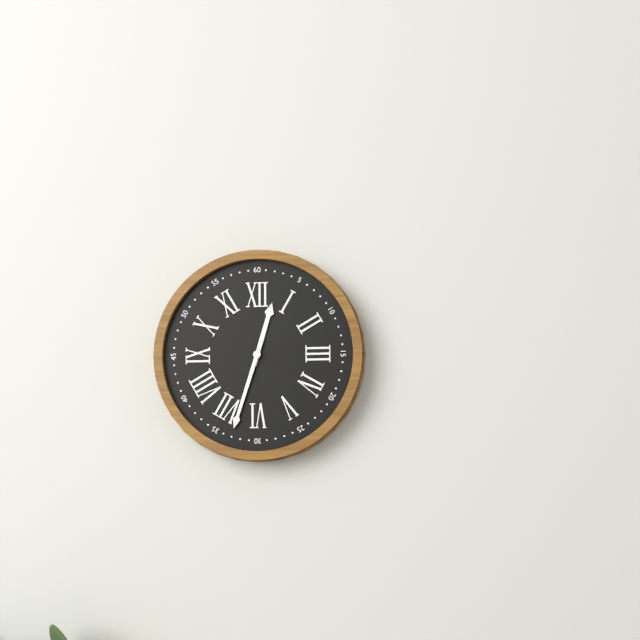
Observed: **12:33**
